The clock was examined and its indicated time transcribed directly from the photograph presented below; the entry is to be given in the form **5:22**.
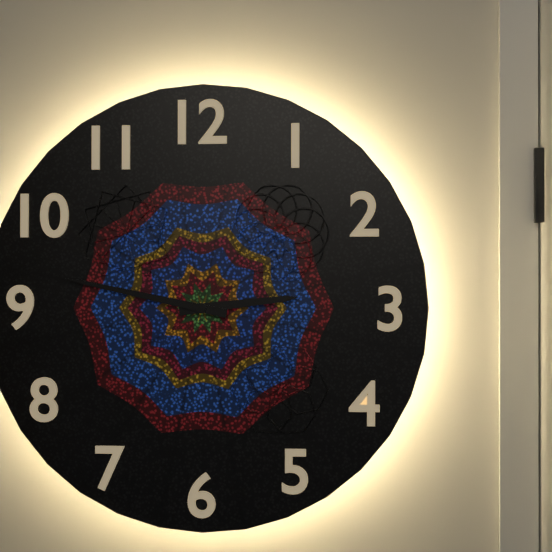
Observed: **2:47**
